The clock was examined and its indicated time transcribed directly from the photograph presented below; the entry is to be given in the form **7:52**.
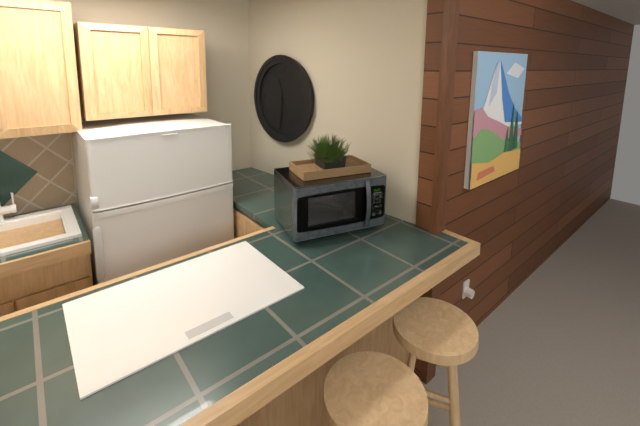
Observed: **11:31**
